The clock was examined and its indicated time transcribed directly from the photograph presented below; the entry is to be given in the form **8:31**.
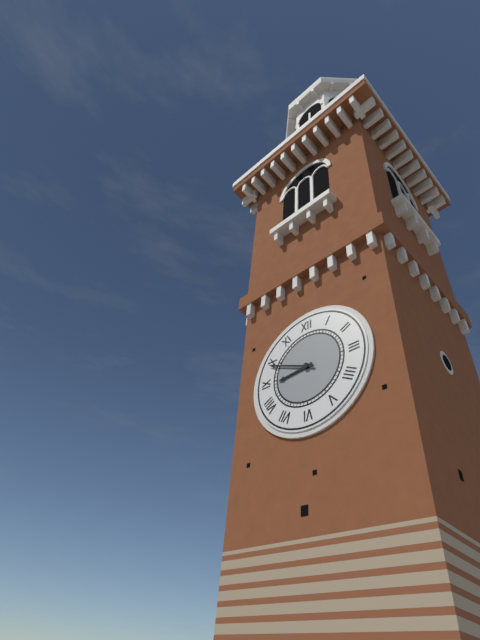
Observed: **8:49**
